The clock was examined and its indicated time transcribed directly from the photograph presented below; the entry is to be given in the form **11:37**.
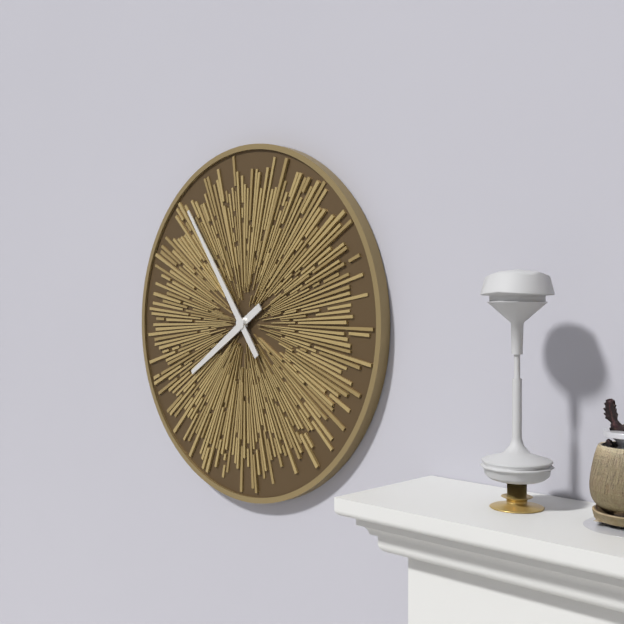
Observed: **7:54**
